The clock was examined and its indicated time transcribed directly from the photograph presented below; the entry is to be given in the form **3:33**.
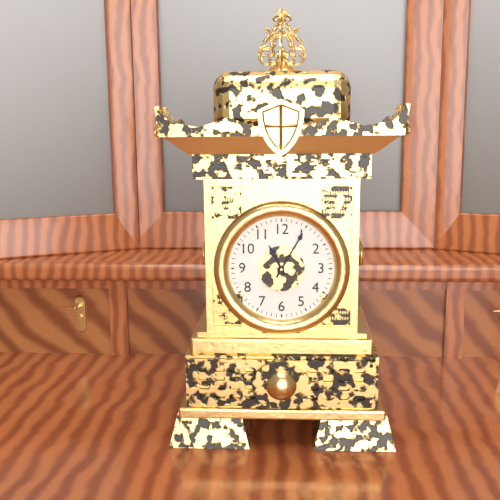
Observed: **11:05**
